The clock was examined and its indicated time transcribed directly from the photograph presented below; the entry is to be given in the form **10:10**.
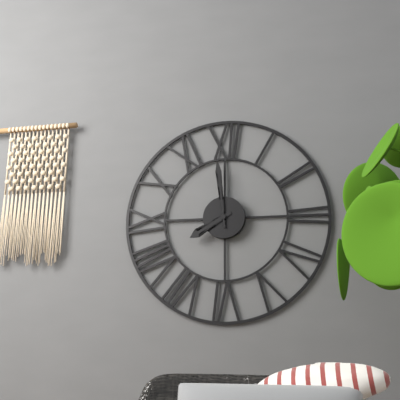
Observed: **7:59**
